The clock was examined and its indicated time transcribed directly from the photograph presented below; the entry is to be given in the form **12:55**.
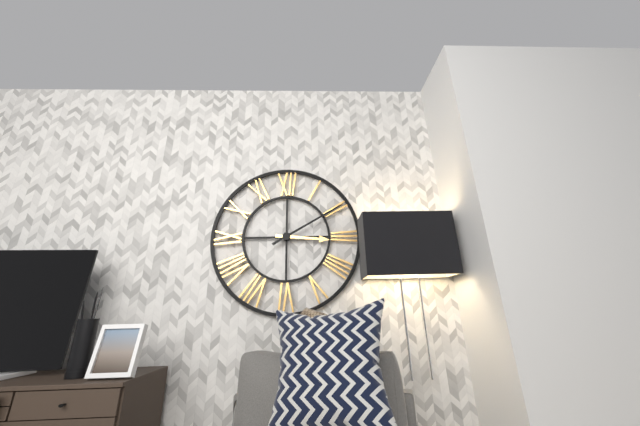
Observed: **3:10**
